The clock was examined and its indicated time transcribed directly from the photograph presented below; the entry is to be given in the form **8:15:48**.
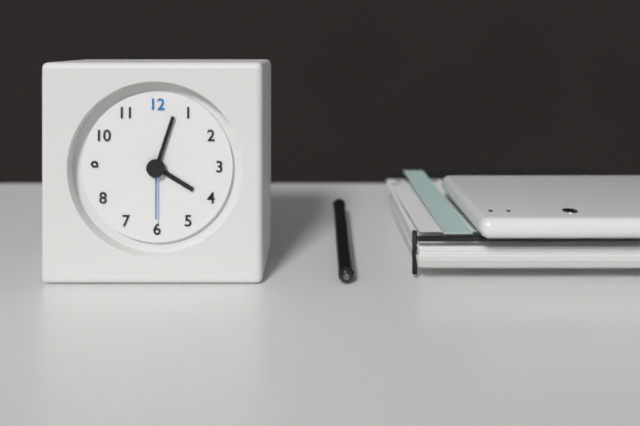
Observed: **4:03:30**
